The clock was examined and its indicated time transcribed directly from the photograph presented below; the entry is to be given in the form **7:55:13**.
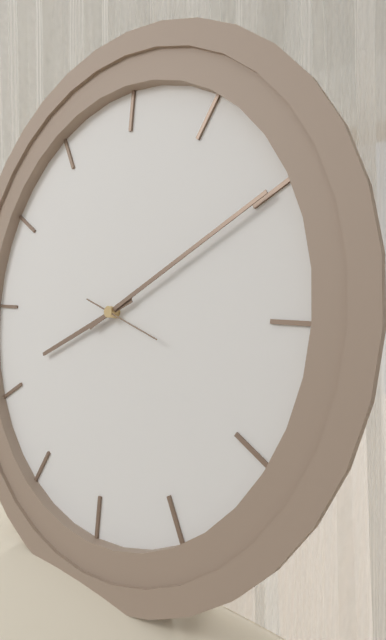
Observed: **8:10:18**
